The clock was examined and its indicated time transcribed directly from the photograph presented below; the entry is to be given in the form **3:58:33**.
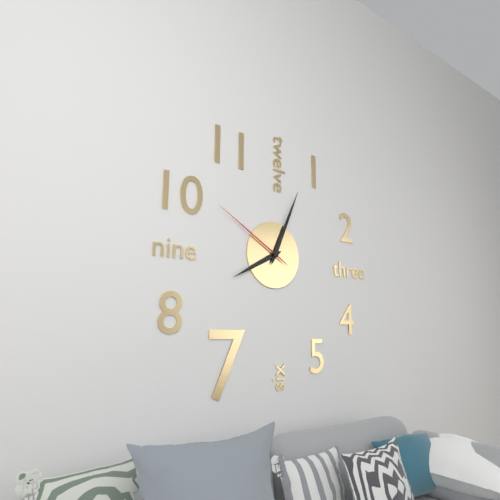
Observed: **8:04:50**
